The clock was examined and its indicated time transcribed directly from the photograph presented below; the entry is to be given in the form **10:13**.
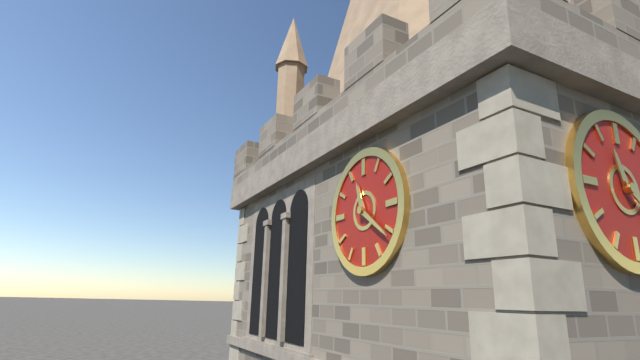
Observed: **11:21**
